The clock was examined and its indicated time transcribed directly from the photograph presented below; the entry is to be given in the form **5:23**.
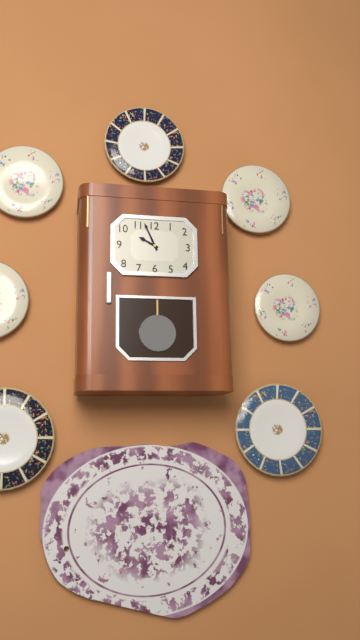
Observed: **9:56**
